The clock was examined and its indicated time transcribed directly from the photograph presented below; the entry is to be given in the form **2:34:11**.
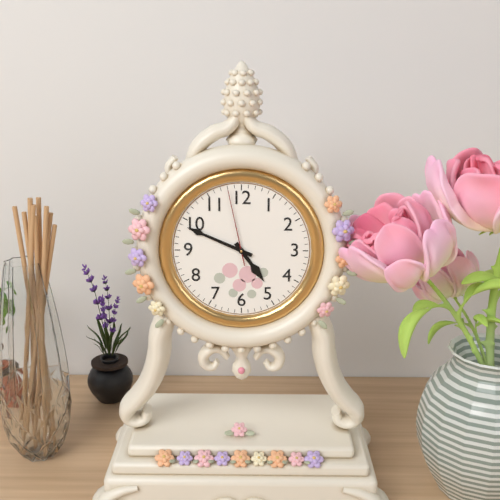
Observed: **4:49:58**
